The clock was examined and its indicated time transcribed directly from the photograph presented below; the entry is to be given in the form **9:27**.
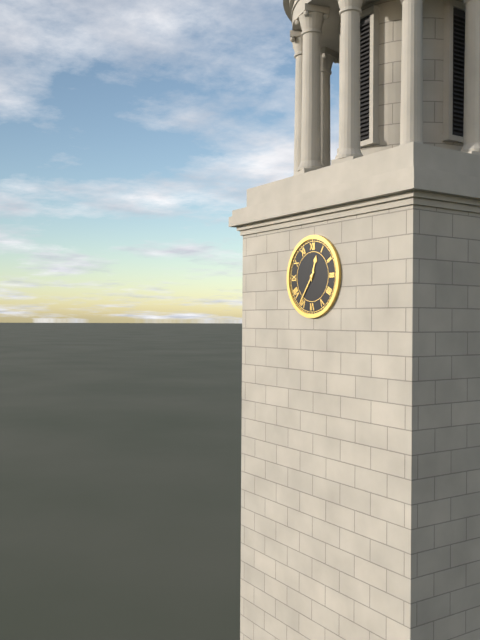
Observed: **12:36**
